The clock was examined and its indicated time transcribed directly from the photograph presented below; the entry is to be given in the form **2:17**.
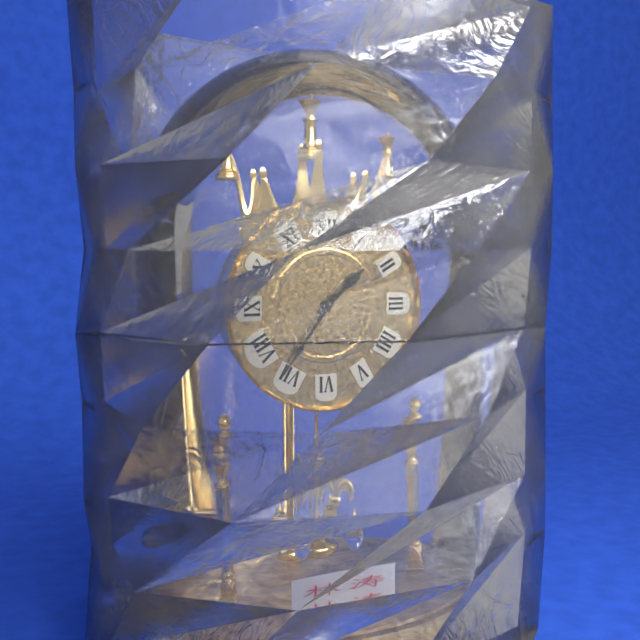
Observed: **1:36**
